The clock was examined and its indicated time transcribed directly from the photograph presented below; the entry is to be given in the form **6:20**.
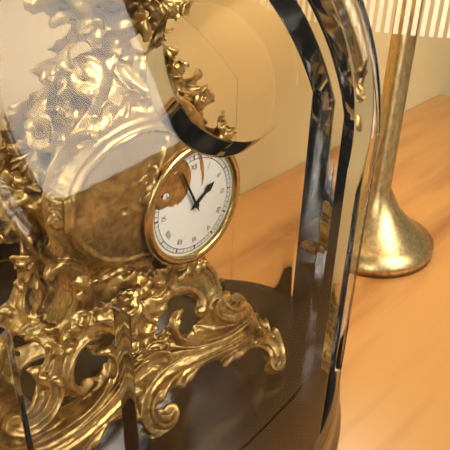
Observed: **1:56**
